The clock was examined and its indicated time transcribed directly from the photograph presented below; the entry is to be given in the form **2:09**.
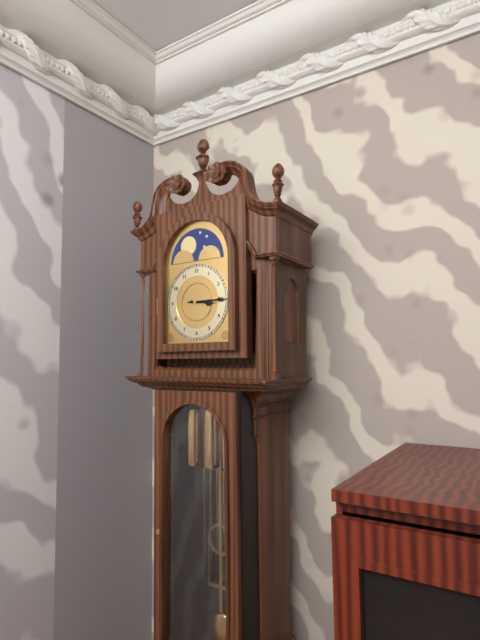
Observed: **3:15**
